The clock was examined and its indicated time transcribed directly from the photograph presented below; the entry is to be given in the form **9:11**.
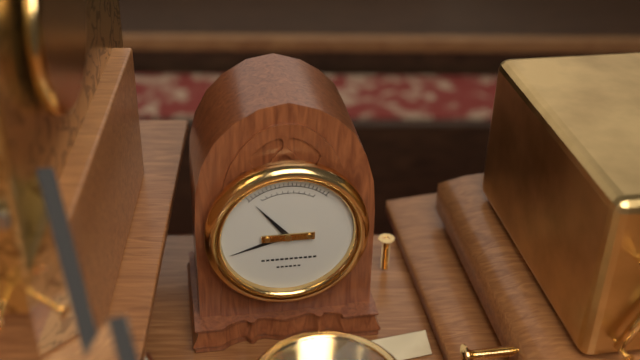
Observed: **10:42**
